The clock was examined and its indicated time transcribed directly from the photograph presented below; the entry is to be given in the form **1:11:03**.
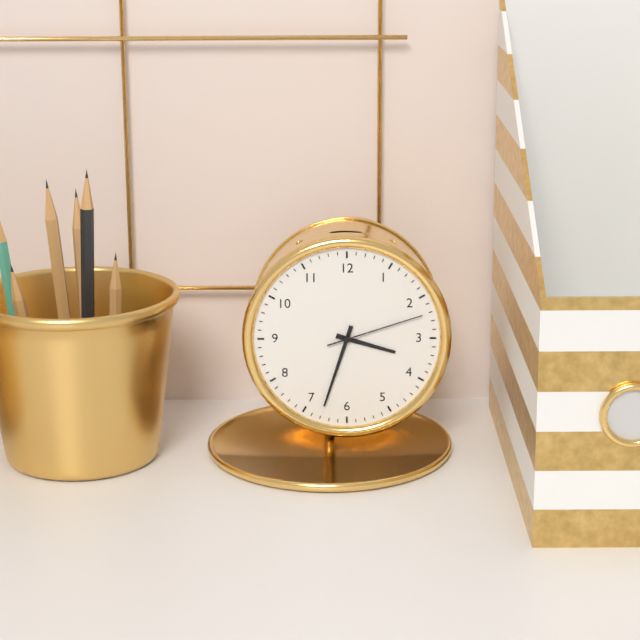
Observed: **3:33:12**
